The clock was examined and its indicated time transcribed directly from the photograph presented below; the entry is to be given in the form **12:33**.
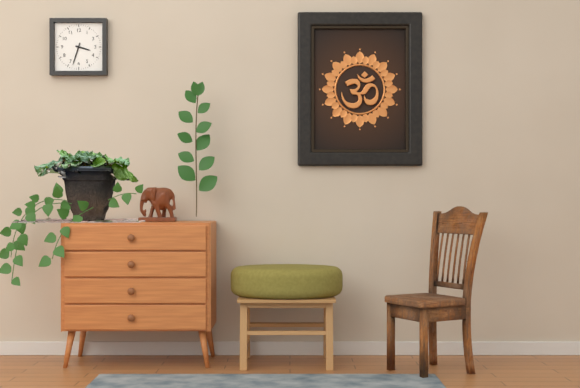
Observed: **3:33**
